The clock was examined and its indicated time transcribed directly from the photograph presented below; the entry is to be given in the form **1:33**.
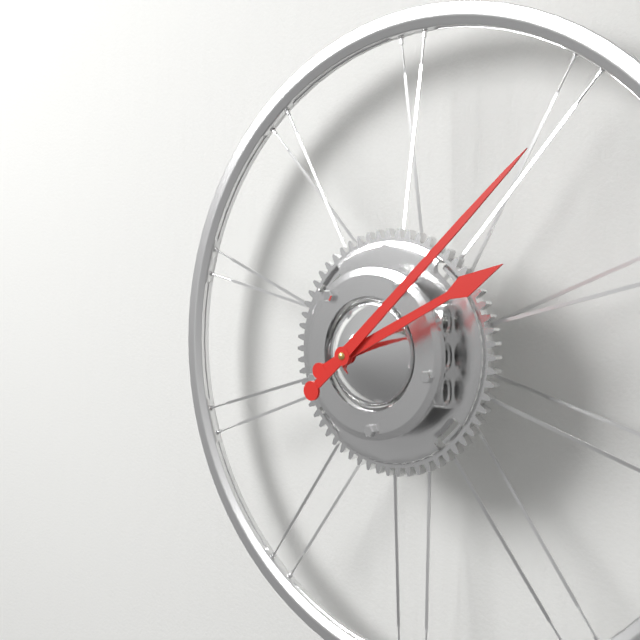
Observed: **2:08**
